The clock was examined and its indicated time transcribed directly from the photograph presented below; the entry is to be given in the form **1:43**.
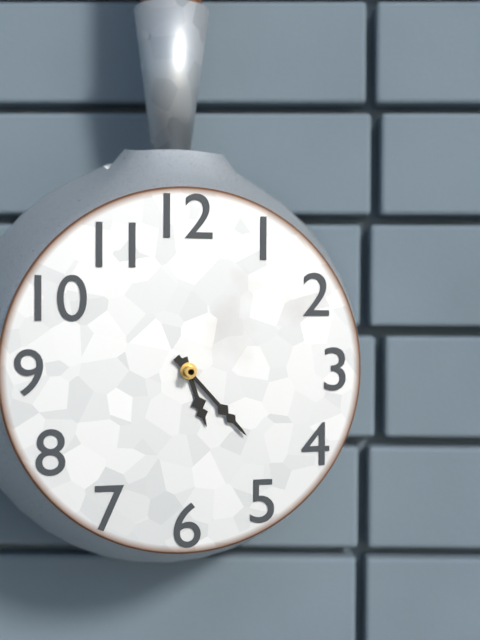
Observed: **5:23**
